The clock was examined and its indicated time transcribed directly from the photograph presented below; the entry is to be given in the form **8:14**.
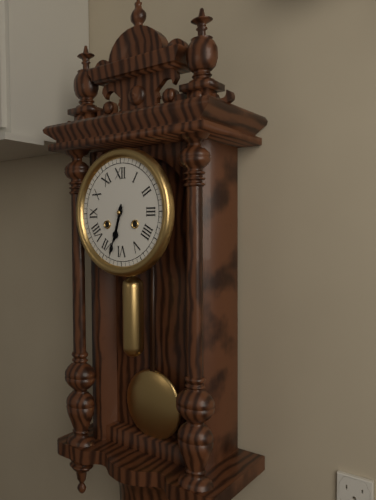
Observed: **6:33**
